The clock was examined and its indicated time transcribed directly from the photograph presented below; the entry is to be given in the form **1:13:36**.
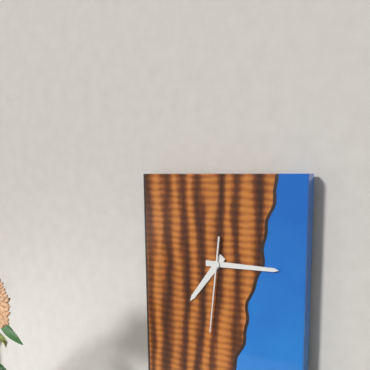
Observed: **7:15:31**
